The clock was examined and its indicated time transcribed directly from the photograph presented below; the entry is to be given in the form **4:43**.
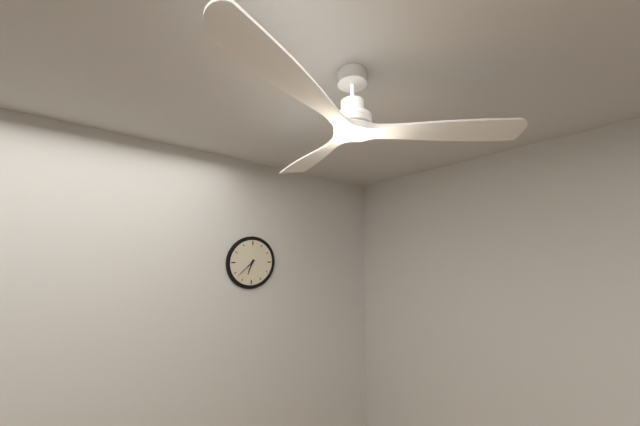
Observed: **6:38**
